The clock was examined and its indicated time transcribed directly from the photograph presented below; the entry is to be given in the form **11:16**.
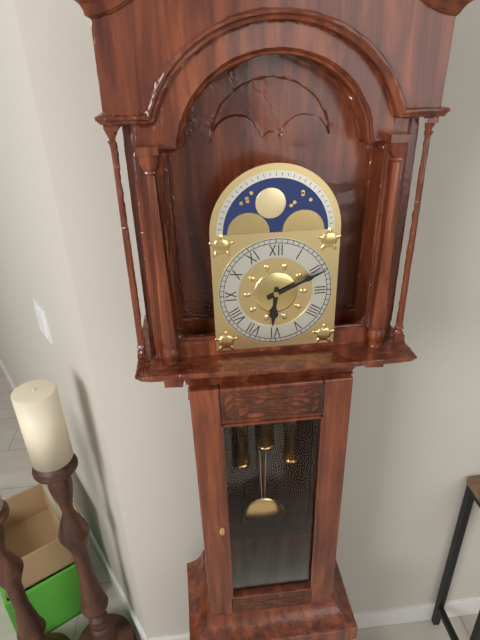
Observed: **6:11**
